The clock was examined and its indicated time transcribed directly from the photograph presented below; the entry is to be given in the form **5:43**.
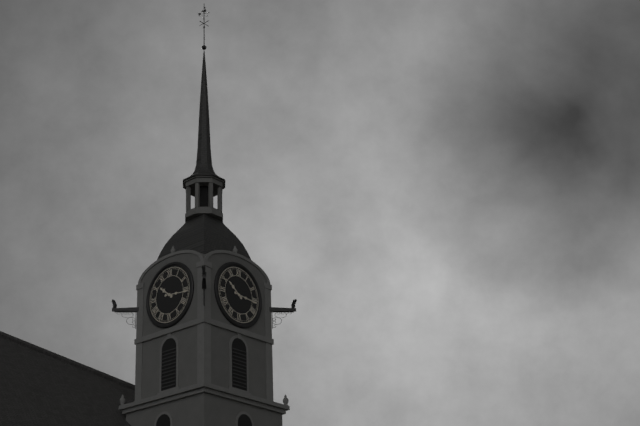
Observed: **10:16**
